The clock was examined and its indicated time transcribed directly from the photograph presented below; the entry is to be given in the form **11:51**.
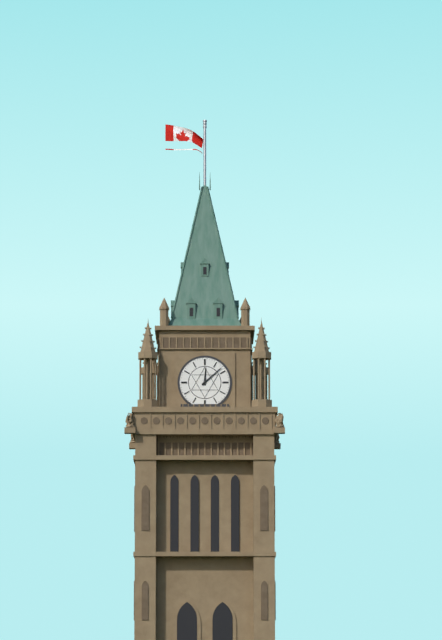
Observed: **12:08**
